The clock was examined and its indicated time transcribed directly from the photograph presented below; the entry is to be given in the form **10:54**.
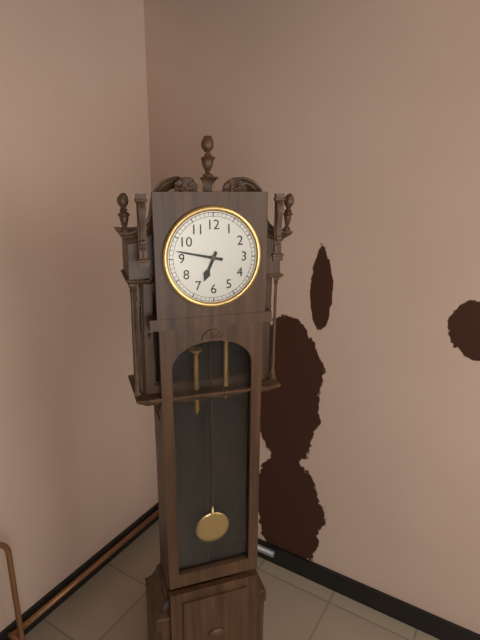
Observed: **6:47**
